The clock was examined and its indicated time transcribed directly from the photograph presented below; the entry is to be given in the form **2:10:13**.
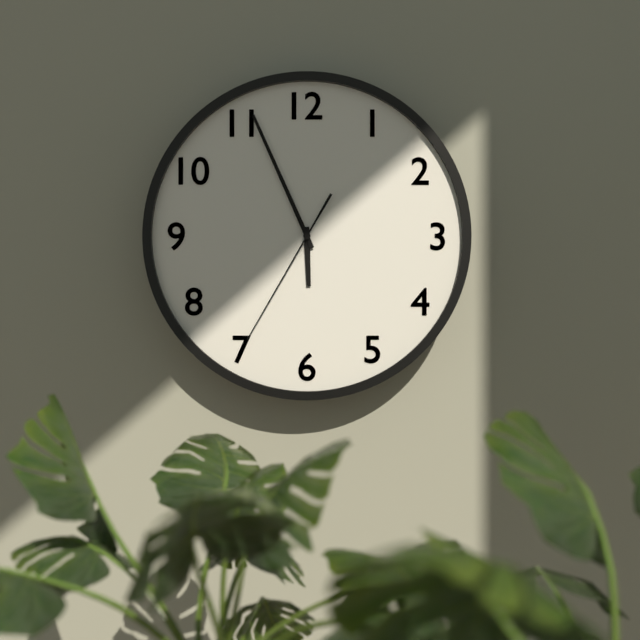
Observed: **5:56:35**
